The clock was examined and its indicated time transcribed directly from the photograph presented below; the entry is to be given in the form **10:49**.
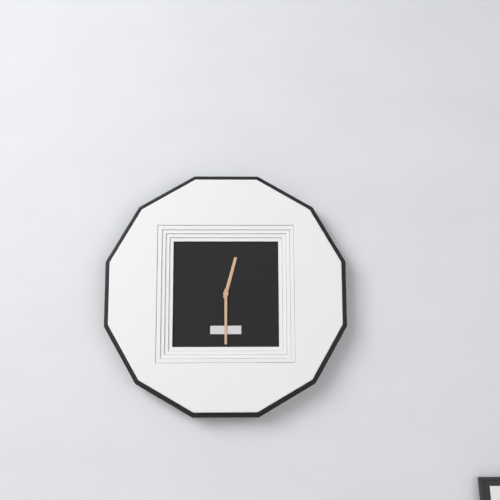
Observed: **12:30**
